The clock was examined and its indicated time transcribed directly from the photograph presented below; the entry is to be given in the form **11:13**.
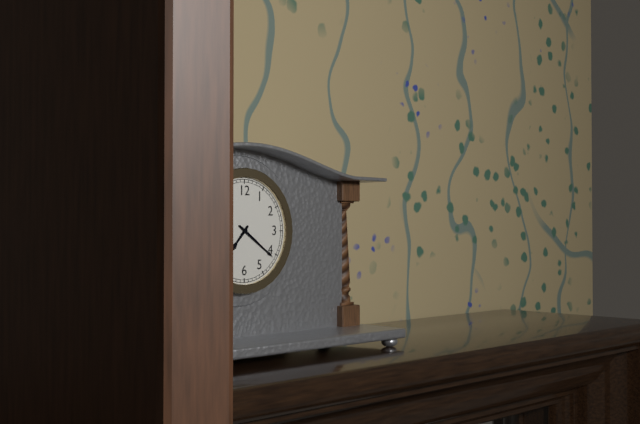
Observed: **7:21**
